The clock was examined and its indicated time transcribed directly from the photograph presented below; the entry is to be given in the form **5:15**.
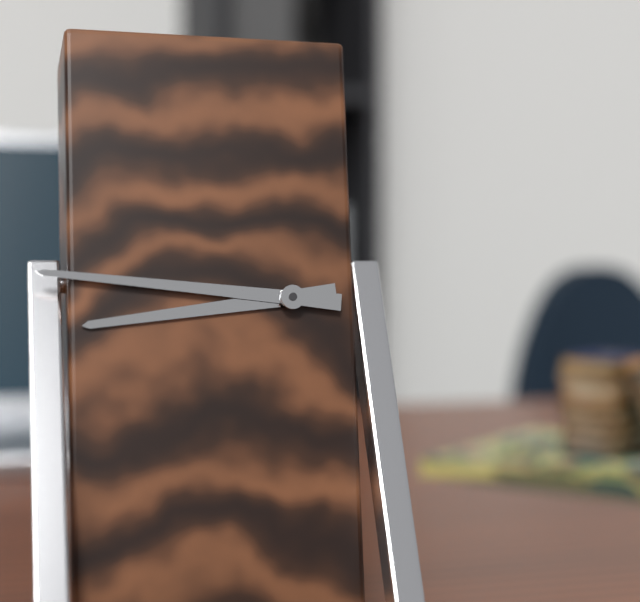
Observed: **8:46**
